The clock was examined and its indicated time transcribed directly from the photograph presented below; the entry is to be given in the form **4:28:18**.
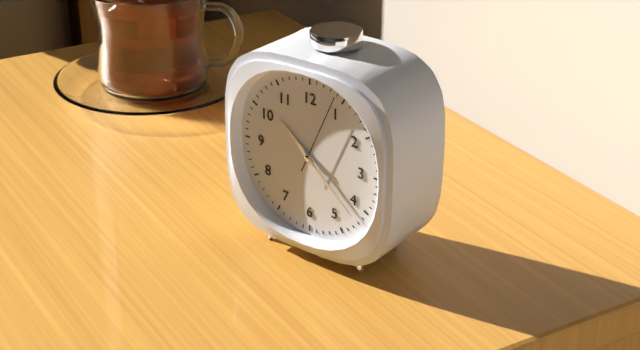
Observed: **10:22:04**
